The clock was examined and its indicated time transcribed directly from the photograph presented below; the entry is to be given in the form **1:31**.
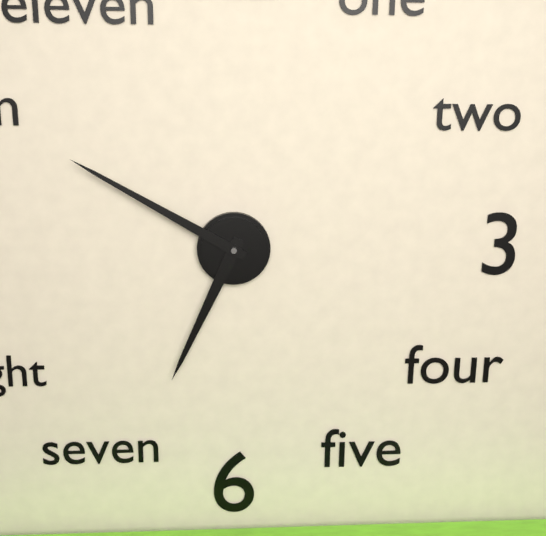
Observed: **6:50**
